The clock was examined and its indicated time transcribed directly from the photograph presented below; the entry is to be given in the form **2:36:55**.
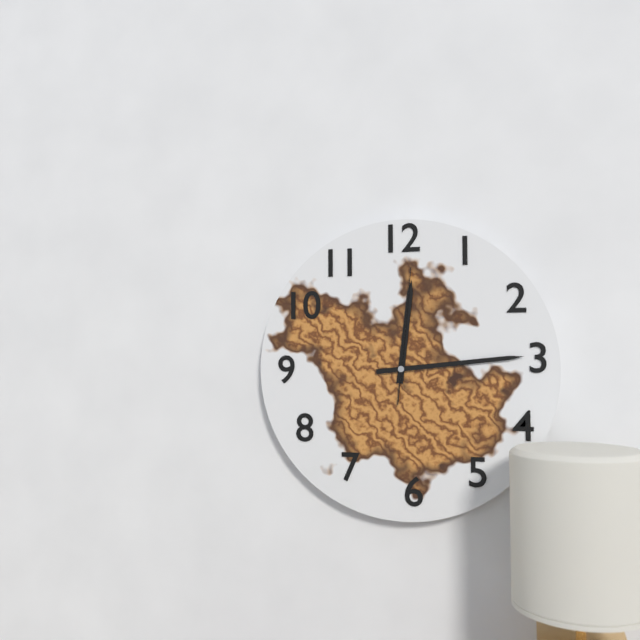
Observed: **12:14:01**
